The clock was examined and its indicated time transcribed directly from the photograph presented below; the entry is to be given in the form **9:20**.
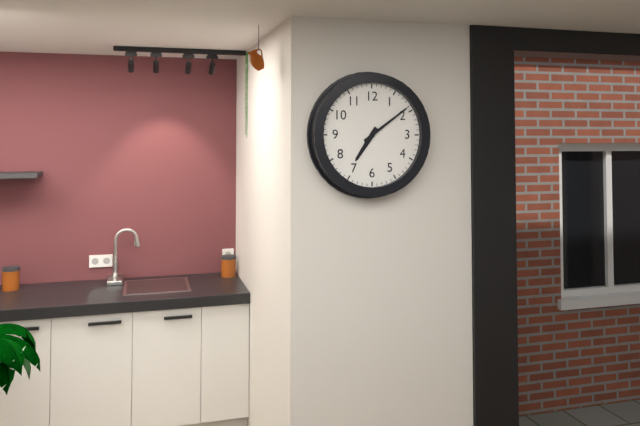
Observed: **7:09**
